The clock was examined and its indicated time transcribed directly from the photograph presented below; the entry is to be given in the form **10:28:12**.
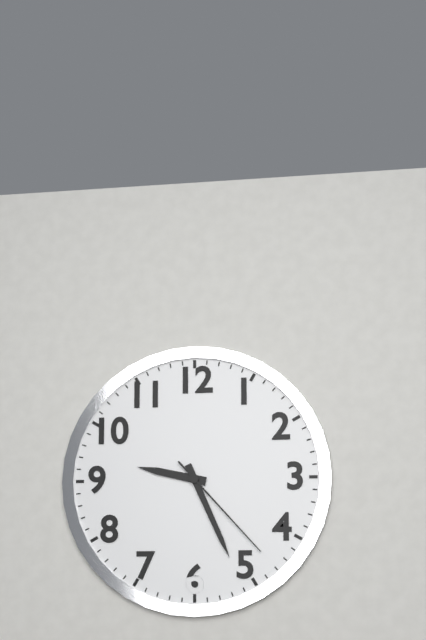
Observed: **9:26:23**
